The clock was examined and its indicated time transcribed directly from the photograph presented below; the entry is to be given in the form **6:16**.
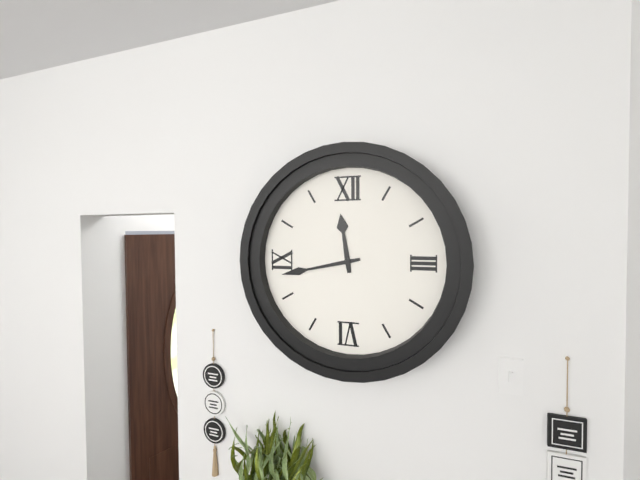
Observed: **11:43**
